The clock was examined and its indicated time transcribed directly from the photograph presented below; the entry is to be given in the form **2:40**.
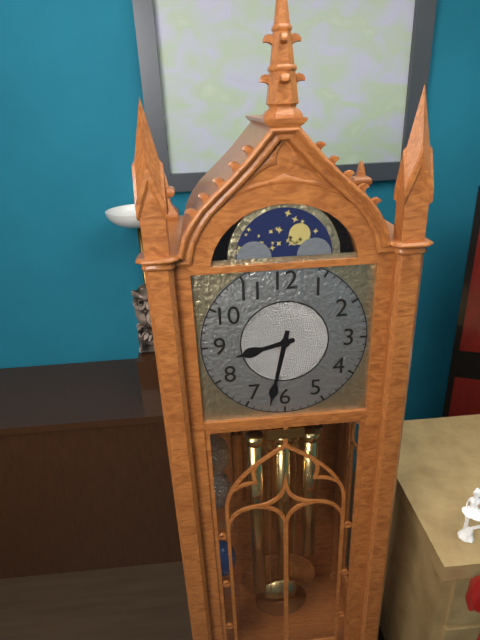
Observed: **8:32**
